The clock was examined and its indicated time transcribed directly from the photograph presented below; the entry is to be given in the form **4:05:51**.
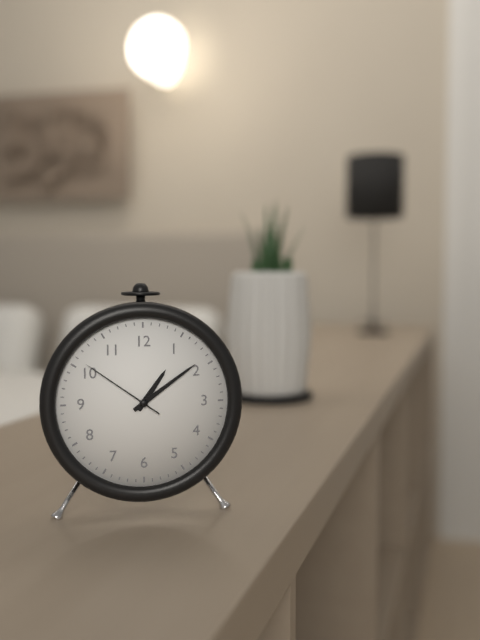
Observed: **1:09:51**
